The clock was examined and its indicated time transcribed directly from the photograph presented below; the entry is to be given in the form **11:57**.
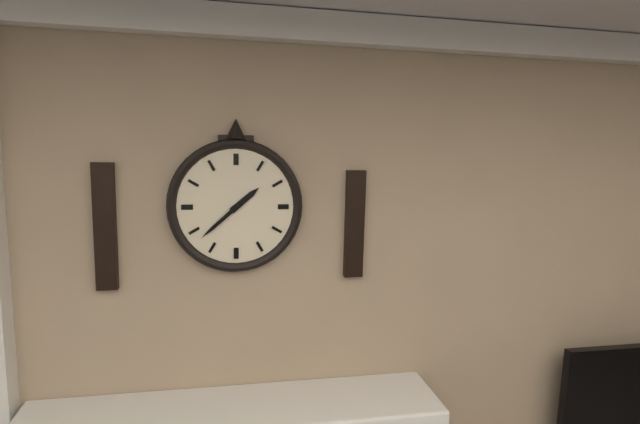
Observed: **1:38**
